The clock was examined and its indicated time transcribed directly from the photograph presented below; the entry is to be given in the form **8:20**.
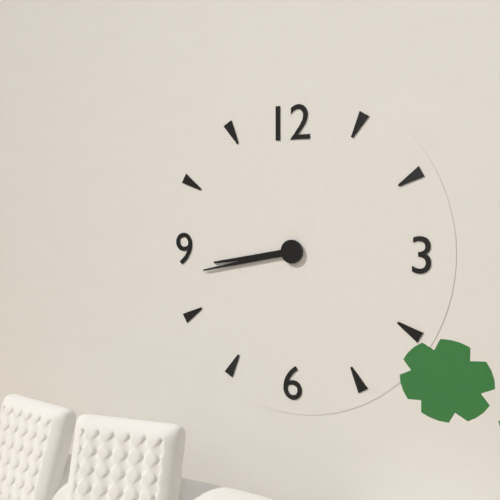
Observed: **8:43**
